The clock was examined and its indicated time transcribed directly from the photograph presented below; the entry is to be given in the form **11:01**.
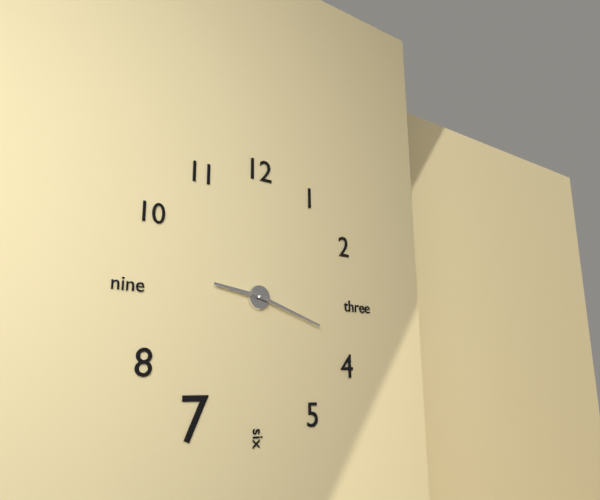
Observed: **9:18**
